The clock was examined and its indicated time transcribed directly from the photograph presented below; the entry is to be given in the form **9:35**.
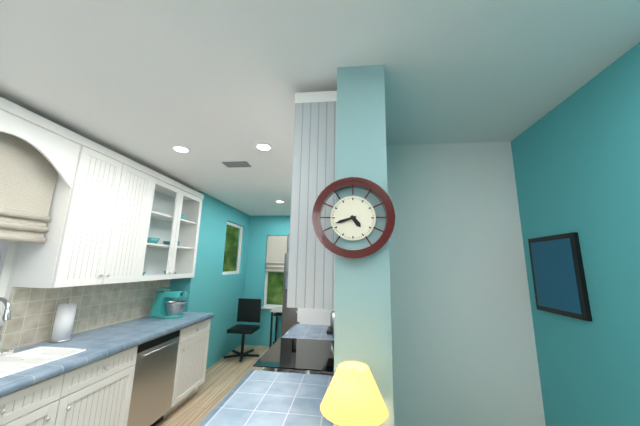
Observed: **4:42**
